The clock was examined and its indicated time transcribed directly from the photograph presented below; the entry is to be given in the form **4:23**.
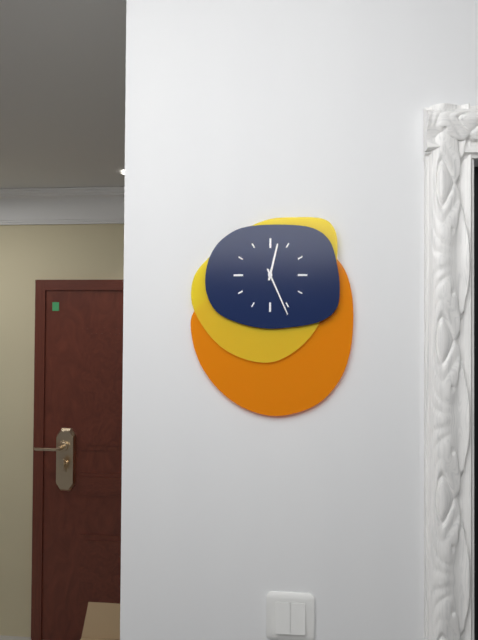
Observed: **12:26**
